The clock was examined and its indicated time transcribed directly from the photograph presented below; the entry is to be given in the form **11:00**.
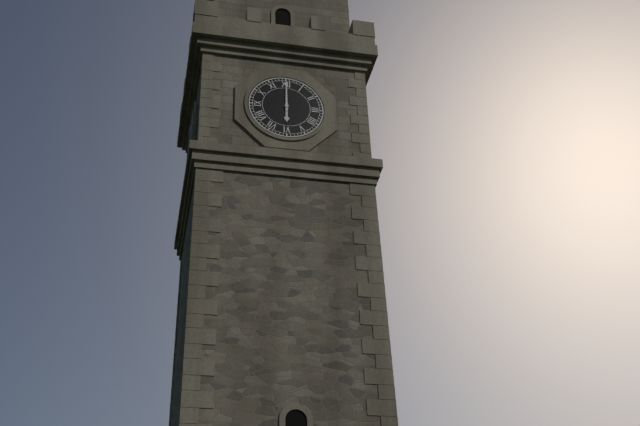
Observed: **6:00**
